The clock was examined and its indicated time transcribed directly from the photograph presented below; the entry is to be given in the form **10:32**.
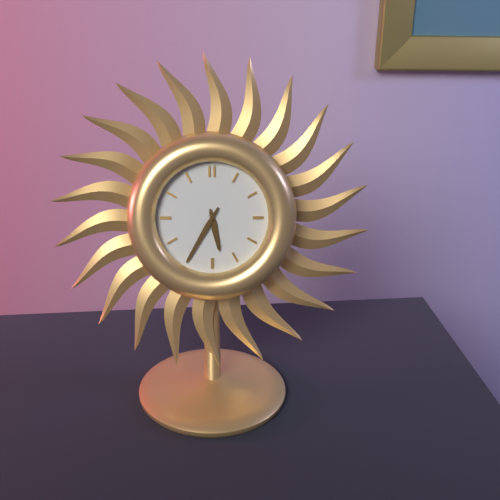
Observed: **5:35**
